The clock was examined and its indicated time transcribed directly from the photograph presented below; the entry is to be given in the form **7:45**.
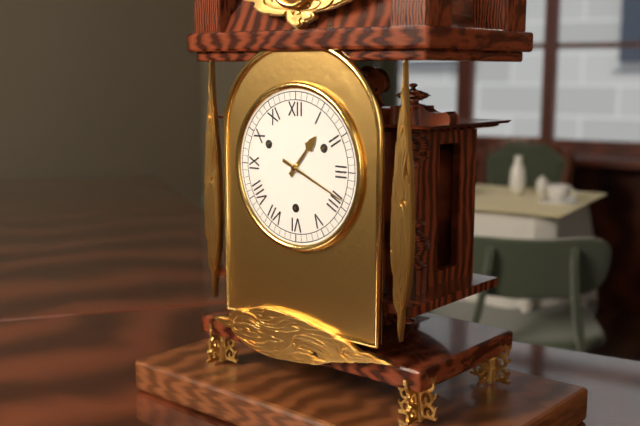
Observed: **1:19**
